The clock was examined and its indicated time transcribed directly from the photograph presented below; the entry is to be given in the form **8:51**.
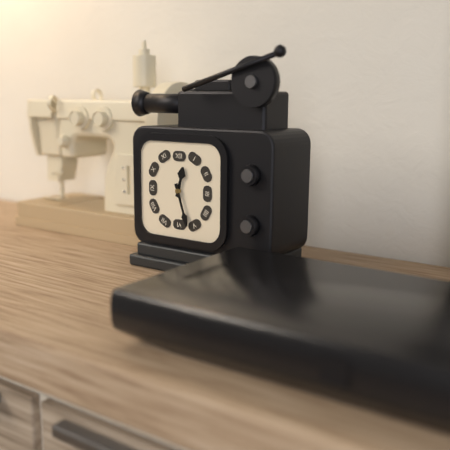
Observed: **12:27**
